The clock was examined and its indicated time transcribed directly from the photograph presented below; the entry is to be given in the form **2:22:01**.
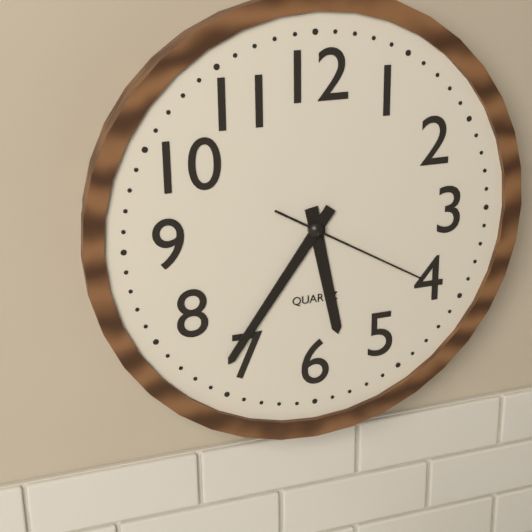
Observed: **5:36:20**
